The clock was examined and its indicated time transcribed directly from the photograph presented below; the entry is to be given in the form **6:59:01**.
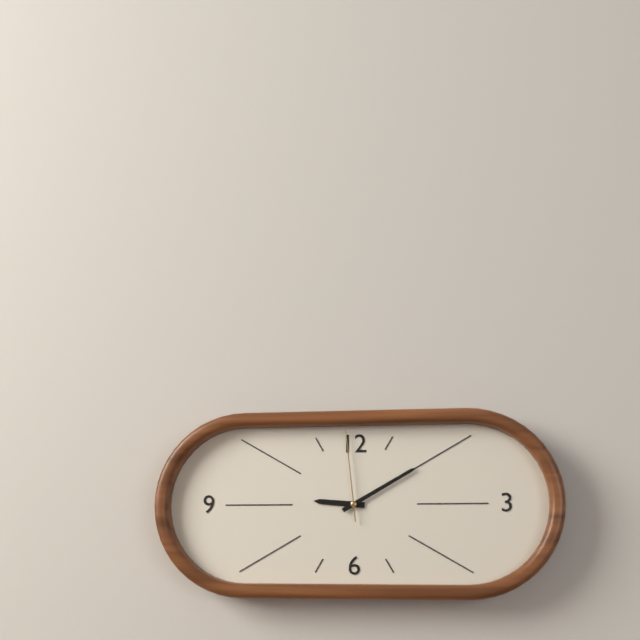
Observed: **9:10:59**
